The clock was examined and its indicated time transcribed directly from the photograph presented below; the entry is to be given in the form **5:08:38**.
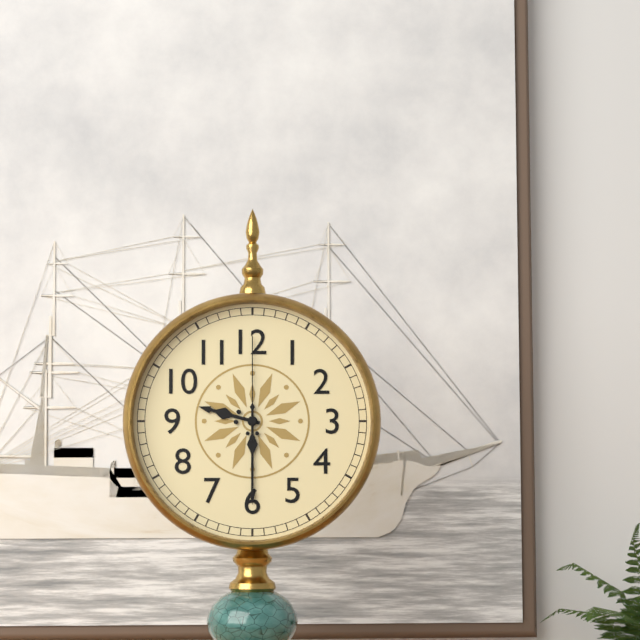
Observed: **9:30:00**
